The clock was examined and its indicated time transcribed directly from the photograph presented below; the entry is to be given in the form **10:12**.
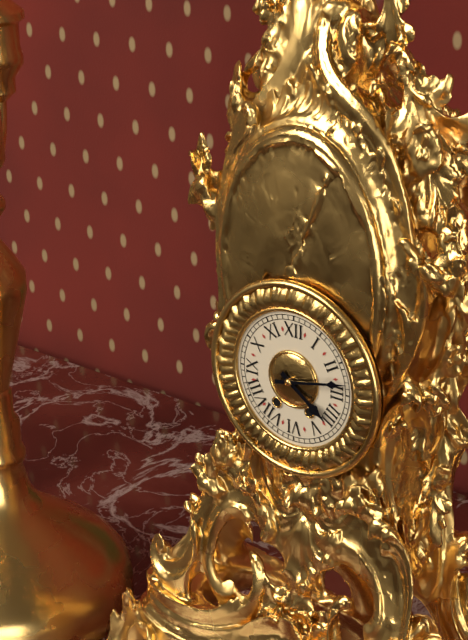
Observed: **4:13**
